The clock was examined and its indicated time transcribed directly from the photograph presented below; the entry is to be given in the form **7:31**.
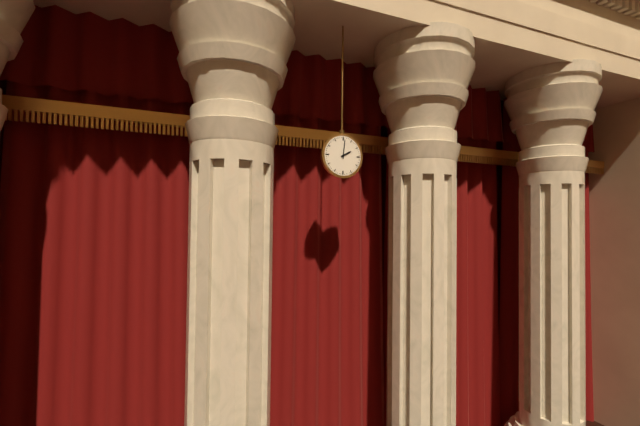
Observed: **2:01**
